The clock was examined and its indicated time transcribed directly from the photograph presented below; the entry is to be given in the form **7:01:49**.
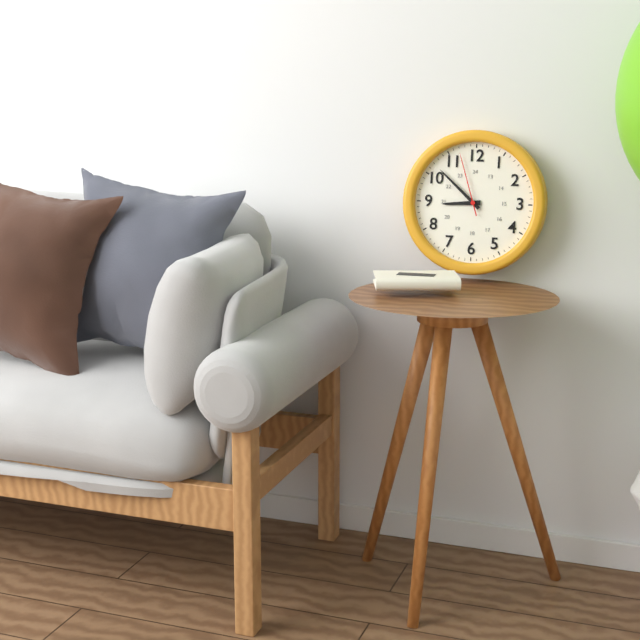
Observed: **8:52:57**
